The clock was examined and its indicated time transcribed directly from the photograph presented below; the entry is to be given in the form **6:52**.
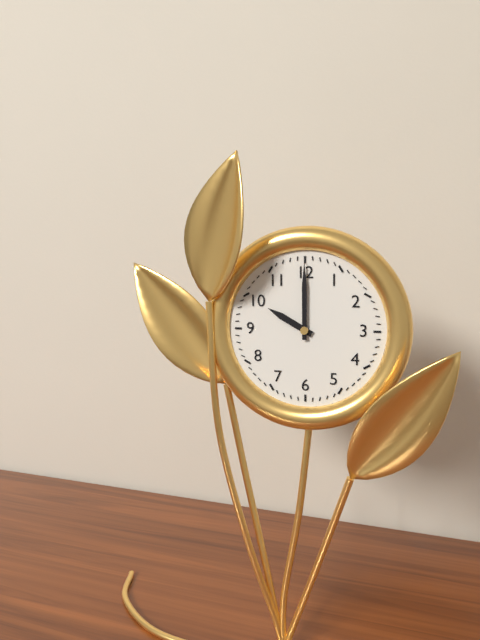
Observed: **10:00**
